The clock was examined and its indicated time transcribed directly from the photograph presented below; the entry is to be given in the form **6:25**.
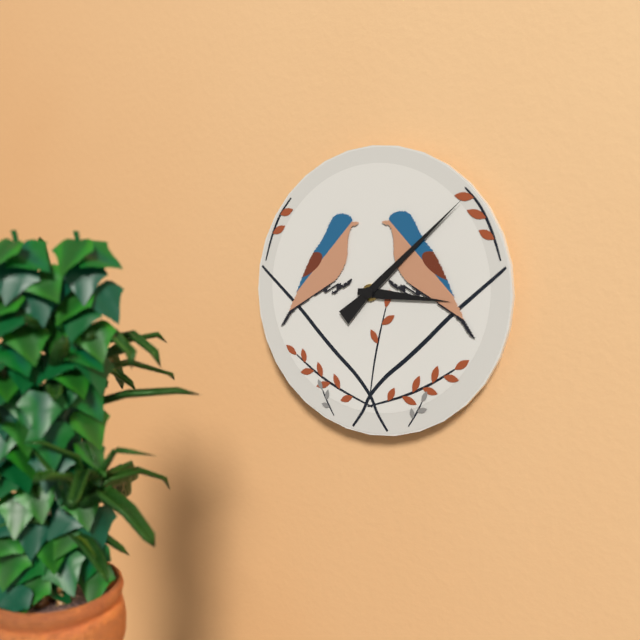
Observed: **3:08**
